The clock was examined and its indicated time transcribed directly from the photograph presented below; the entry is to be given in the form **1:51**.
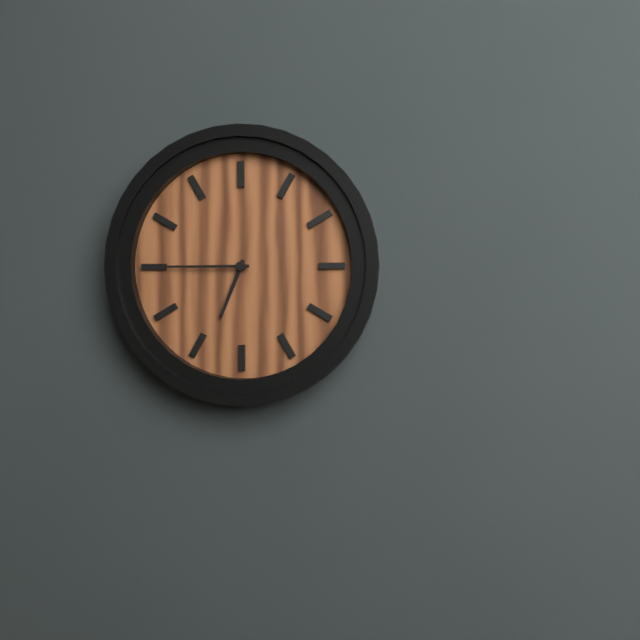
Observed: **6:45**
